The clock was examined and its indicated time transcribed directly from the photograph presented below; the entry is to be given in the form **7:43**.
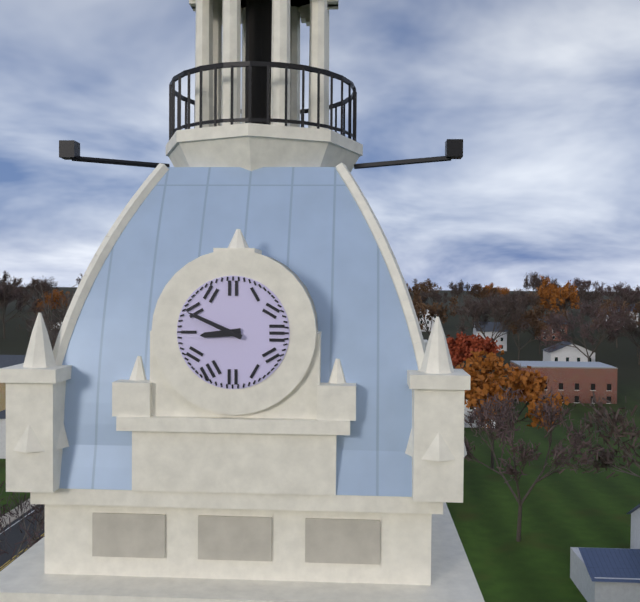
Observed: **8:49**
